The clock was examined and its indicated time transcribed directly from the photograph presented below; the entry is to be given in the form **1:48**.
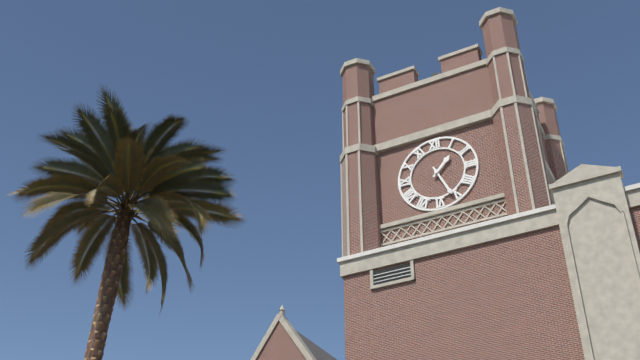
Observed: **1:26**
